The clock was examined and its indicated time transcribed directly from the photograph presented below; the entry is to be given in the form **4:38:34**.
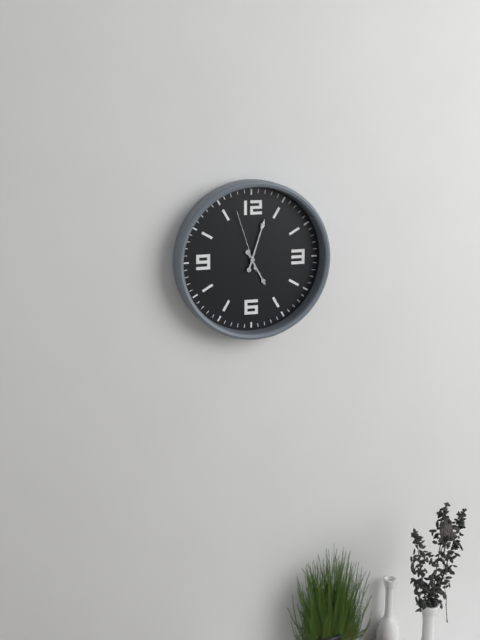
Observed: **5:03:57**
